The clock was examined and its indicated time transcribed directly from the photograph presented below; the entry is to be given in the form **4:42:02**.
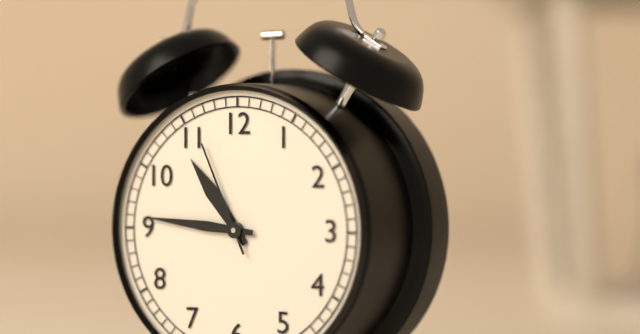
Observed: **10:46:56**
